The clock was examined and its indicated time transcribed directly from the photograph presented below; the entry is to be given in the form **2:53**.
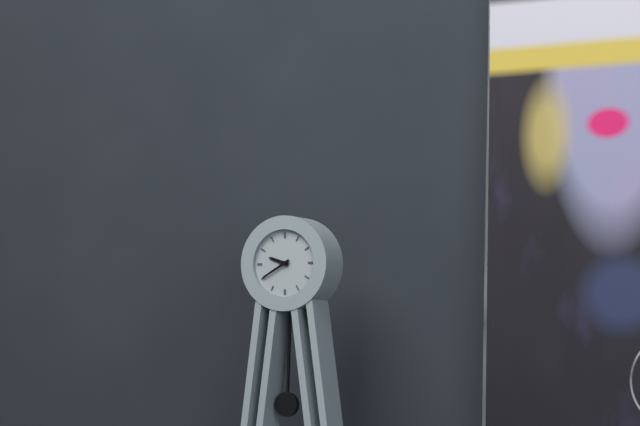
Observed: **9:40**
